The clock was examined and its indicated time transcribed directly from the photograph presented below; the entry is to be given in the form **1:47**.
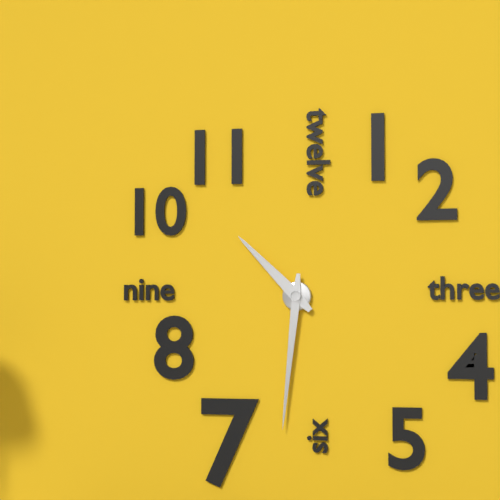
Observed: **10:31**
